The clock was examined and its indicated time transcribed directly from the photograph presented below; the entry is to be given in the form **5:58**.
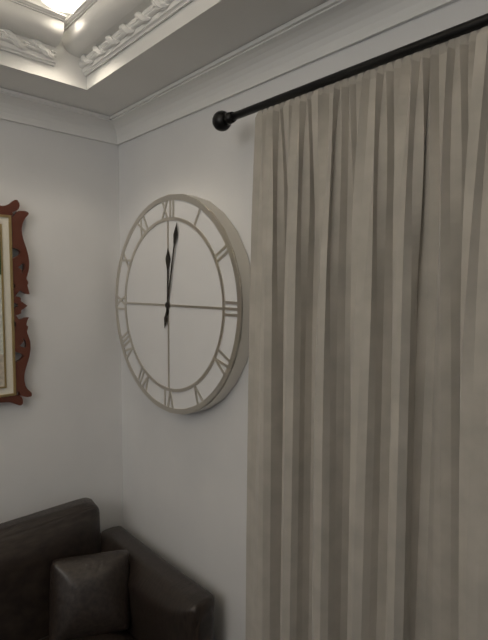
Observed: **12:02**
